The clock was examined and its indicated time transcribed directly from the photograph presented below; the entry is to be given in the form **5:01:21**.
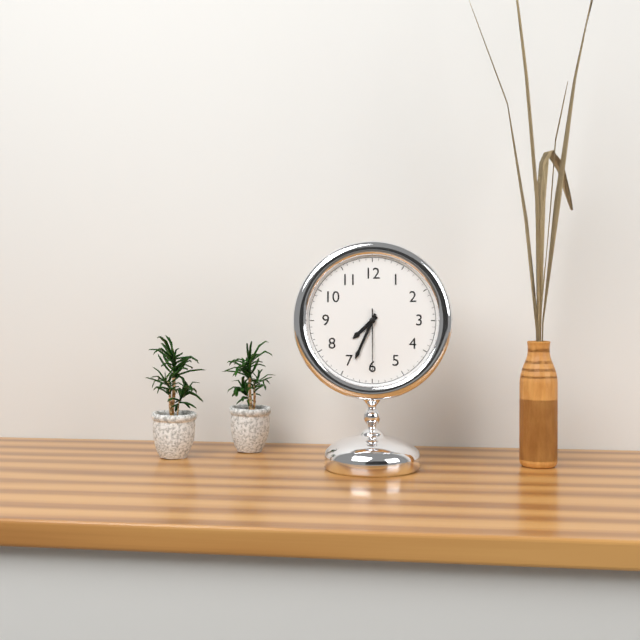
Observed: **7:34:30**
